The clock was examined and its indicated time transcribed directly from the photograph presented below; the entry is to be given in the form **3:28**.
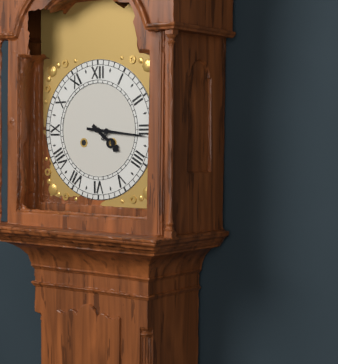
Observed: **4:16**
